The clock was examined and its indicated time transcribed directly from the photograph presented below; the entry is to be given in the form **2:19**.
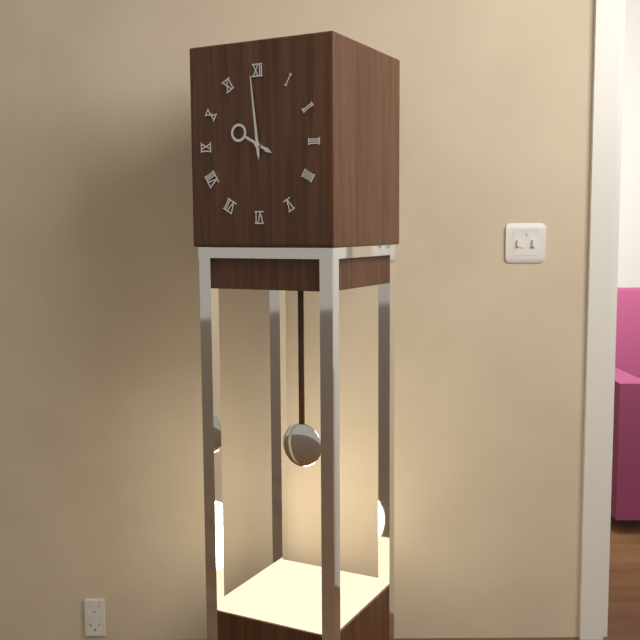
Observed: **9:59**
